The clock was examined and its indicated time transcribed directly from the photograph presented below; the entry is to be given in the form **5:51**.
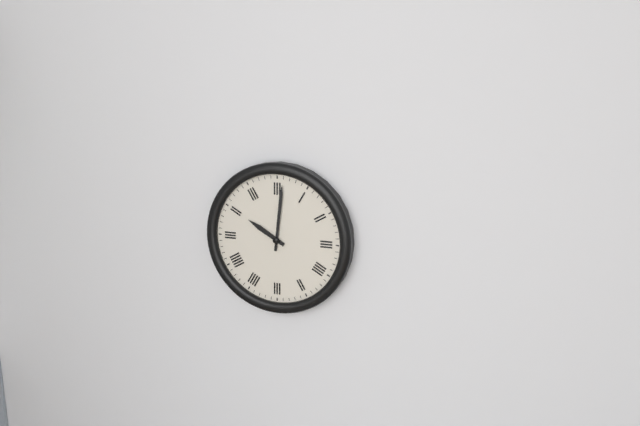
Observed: **10:01**
